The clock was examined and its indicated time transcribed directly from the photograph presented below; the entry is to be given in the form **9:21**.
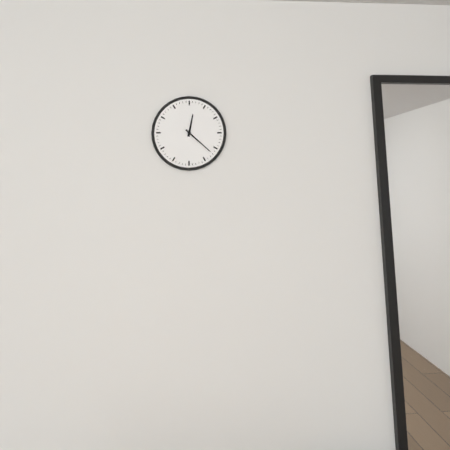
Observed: **12:22**
